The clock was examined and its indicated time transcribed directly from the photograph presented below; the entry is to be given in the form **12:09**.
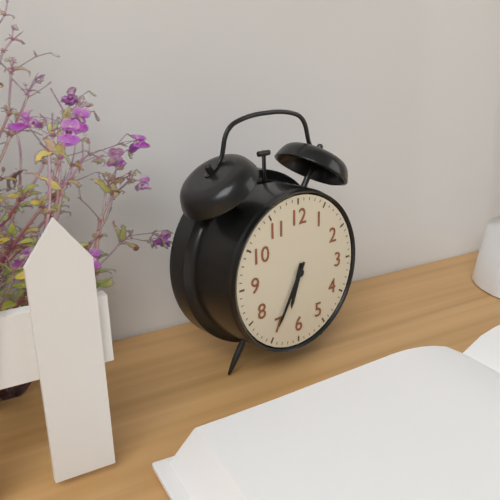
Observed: **6:35**
